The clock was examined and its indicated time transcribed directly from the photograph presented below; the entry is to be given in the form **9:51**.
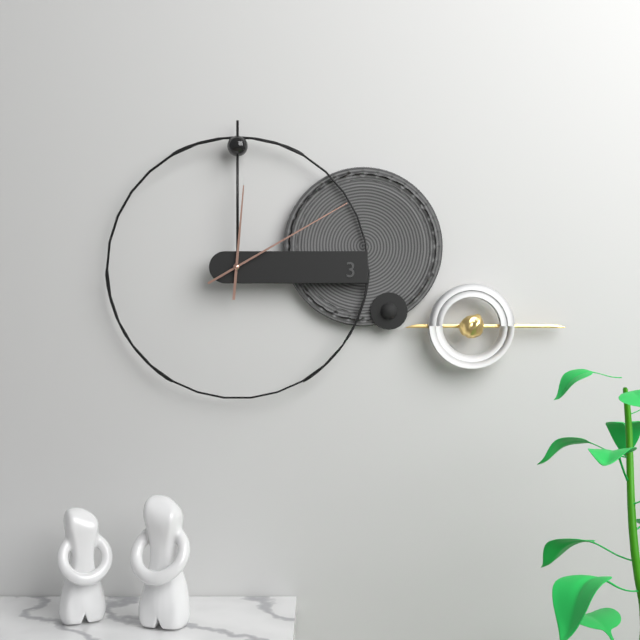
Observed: **12:10**
